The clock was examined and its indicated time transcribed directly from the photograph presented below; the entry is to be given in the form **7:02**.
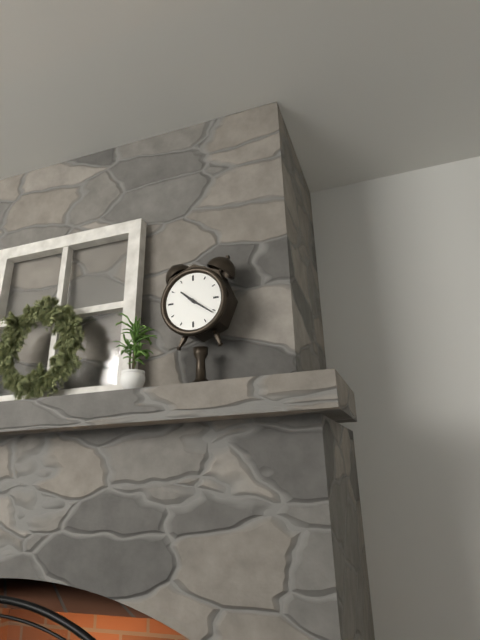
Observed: **10:21**
